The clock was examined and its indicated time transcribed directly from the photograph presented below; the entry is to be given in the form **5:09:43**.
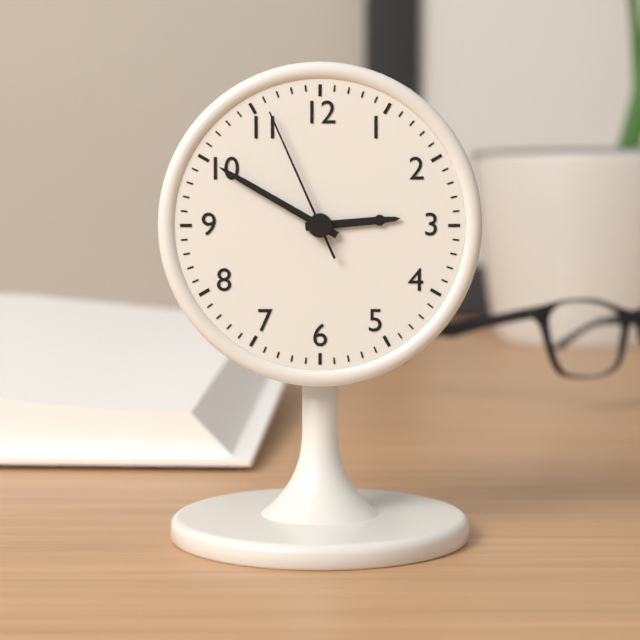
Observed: **2:50:56**
